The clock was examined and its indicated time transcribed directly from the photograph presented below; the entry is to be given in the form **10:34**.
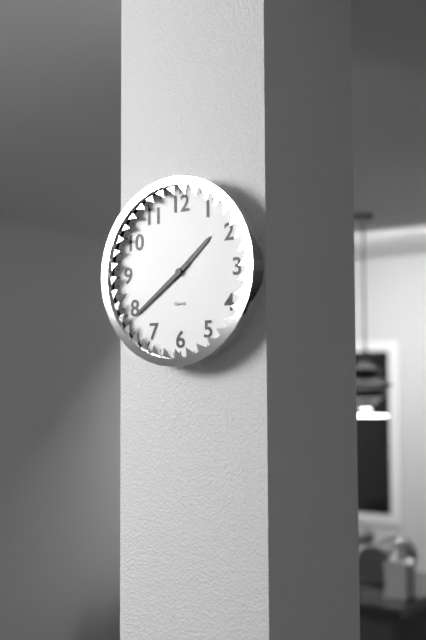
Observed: **1:39**
